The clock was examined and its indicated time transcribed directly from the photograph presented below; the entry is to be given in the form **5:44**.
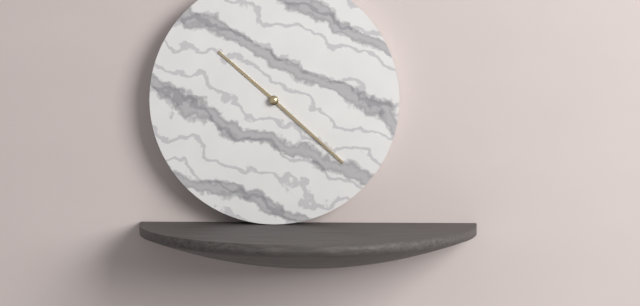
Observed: **10:22**
